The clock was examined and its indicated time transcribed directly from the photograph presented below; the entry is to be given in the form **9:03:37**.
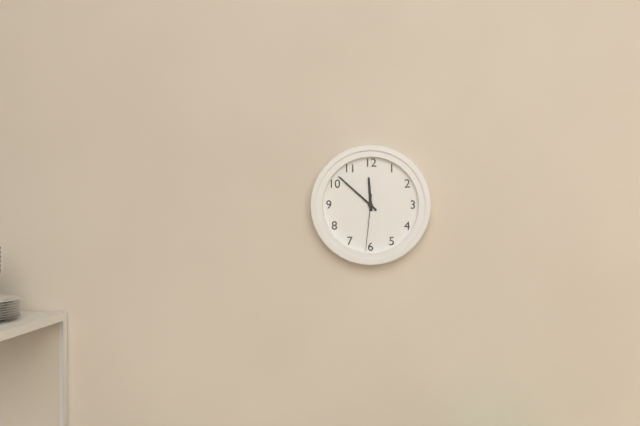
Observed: **11:52:31**
